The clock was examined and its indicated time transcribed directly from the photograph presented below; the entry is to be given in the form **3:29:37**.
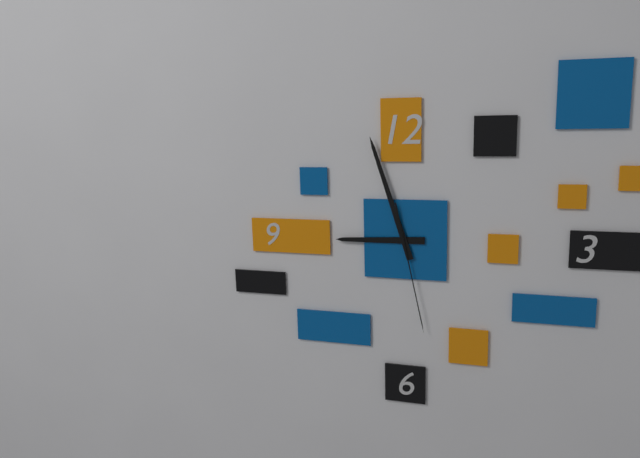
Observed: **8:57:28**
